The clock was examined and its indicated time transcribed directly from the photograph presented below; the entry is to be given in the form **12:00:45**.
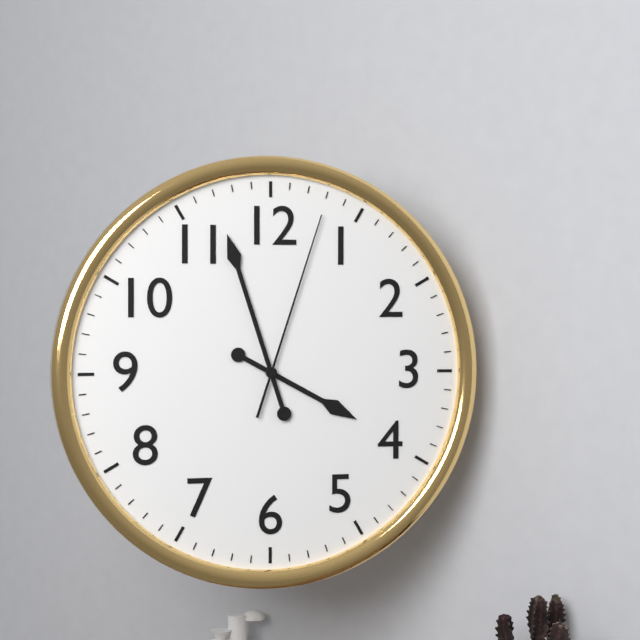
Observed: **3:57:03**
